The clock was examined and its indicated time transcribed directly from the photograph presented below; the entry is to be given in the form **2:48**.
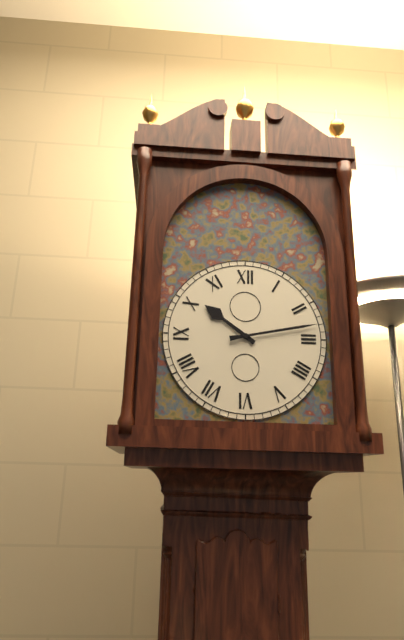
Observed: **10:13**
